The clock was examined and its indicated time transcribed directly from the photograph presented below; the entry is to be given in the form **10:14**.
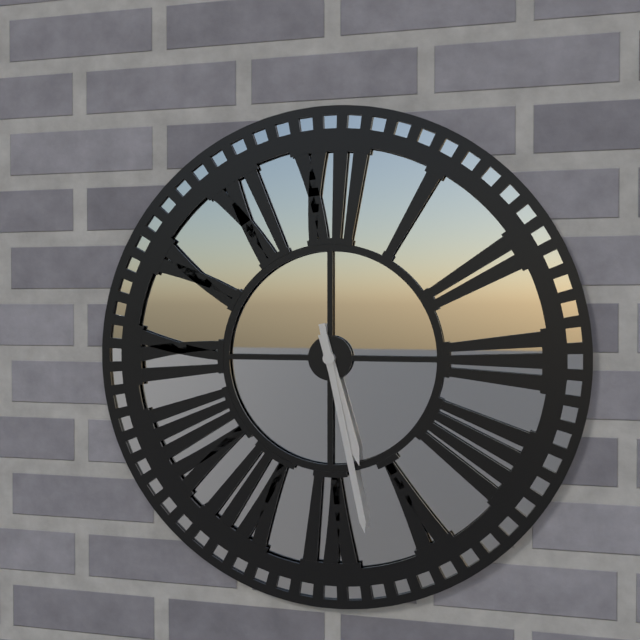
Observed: **5:28**
